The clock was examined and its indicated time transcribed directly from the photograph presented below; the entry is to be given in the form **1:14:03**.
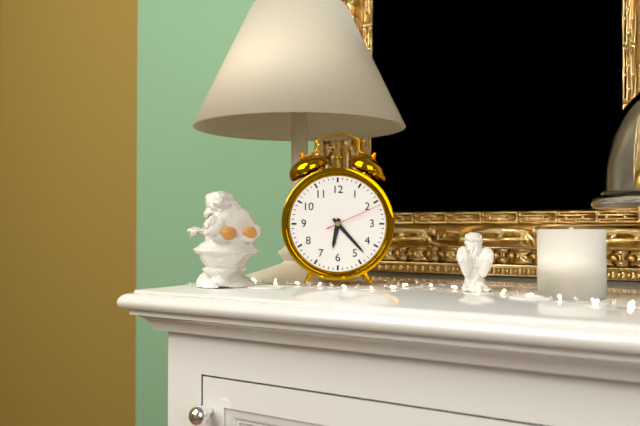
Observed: **6:23:11**
